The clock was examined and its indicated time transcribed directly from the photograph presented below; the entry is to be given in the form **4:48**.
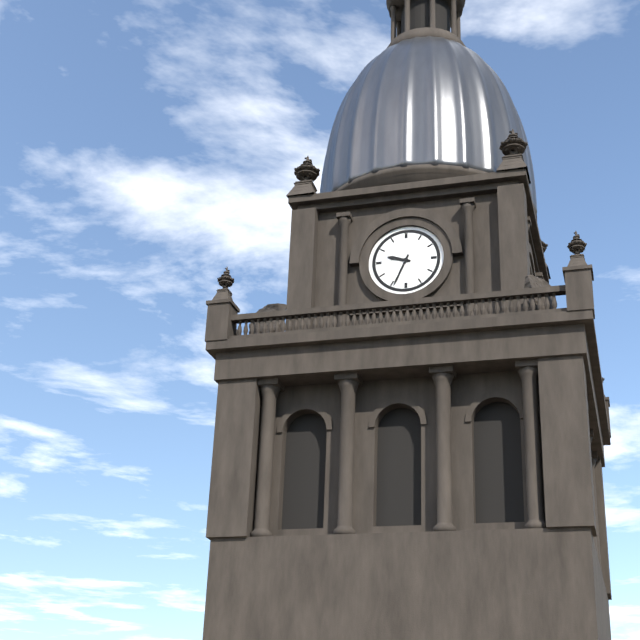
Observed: **9:34**
